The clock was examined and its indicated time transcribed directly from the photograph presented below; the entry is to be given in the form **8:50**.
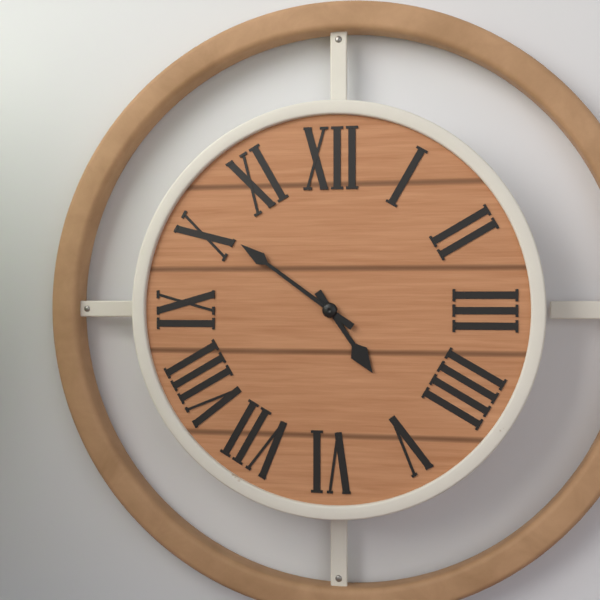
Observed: **4:51**
